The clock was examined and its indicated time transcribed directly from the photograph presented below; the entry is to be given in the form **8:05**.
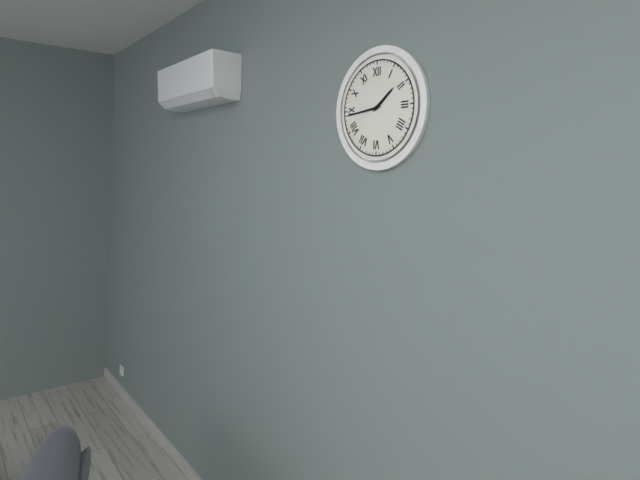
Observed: **1:44**
